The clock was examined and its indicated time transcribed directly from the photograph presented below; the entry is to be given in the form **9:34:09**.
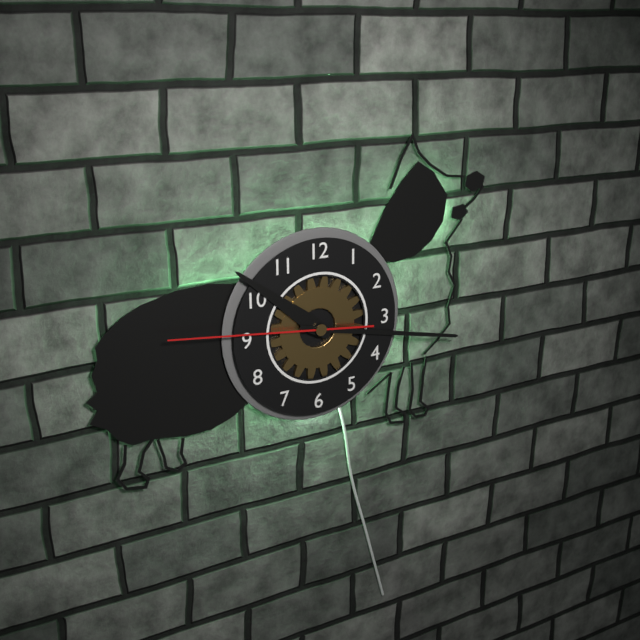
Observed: **10:17:46**
